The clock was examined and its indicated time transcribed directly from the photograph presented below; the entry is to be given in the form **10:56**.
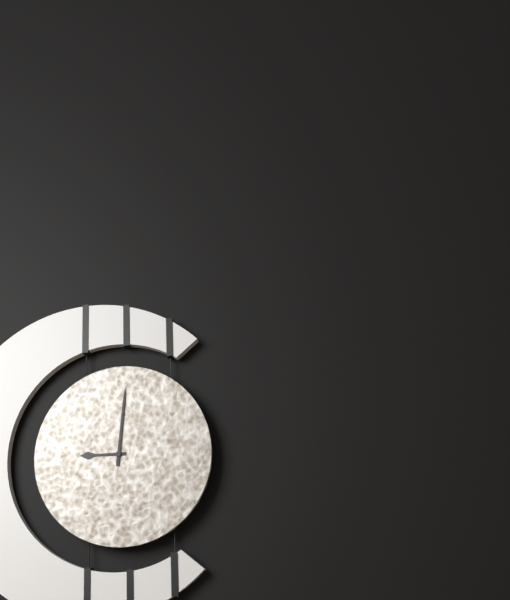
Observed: **9:01**
